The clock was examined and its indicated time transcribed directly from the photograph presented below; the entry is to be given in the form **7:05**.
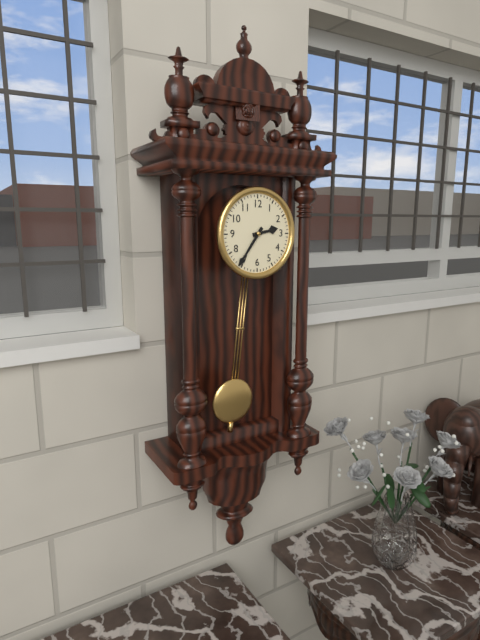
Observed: **2:36**
